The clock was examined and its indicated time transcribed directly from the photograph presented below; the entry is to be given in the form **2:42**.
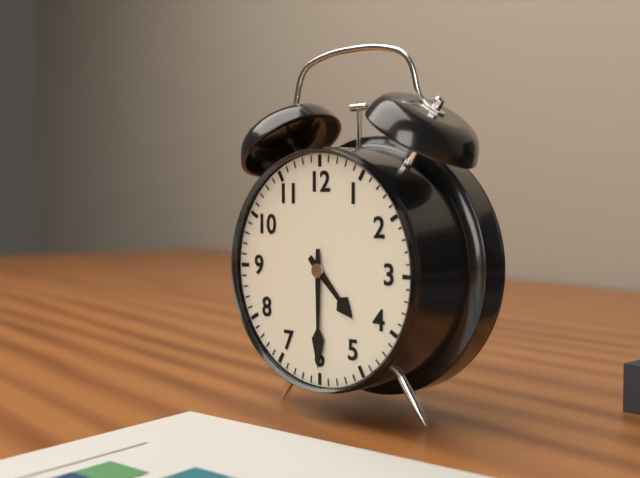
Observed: **4:30**
